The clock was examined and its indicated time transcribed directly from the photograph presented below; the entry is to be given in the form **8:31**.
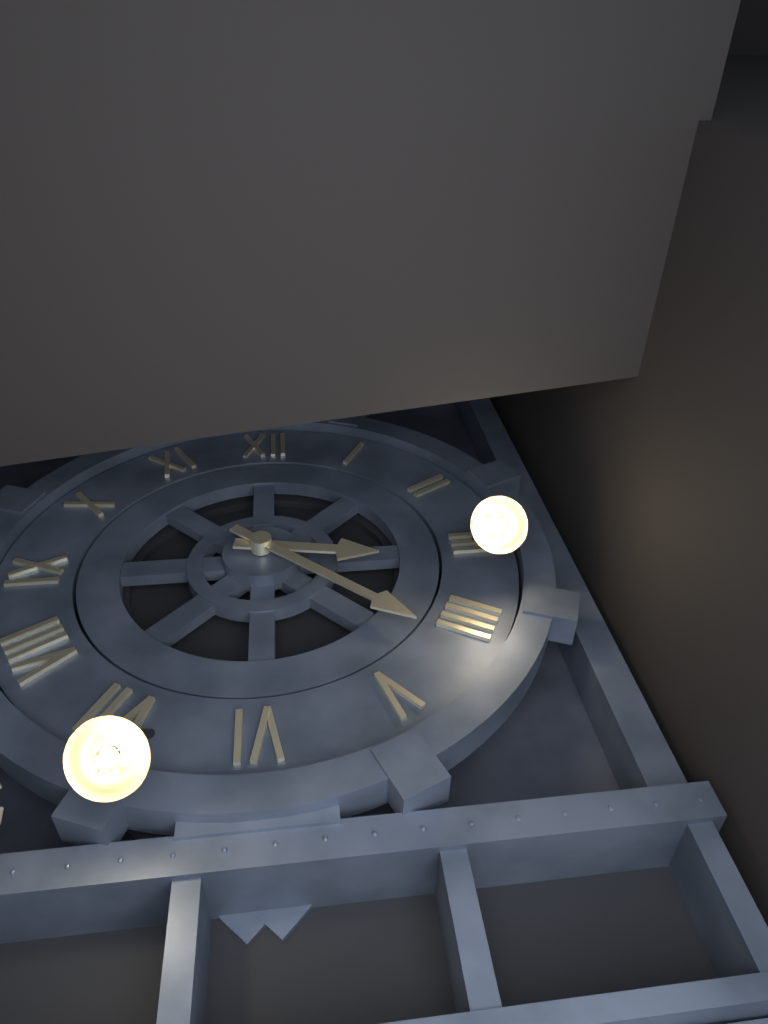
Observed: **3:22**
